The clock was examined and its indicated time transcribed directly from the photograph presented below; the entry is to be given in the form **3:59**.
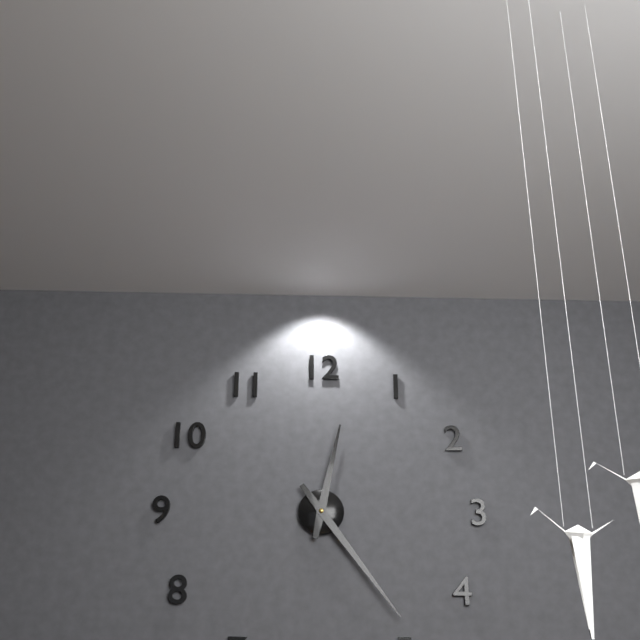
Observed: **12:24**
